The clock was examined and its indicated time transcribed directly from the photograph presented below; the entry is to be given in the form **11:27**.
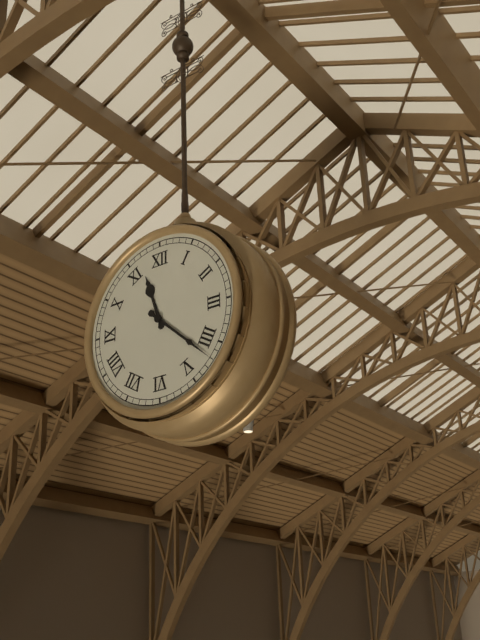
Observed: **11:22**
